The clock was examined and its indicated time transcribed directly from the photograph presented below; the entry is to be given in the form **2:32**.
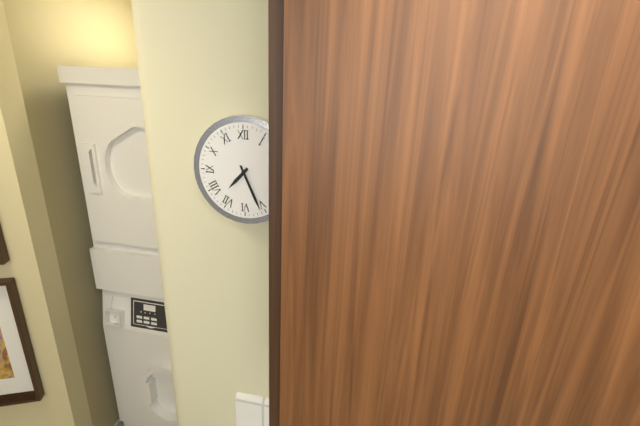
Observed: **7:26**
